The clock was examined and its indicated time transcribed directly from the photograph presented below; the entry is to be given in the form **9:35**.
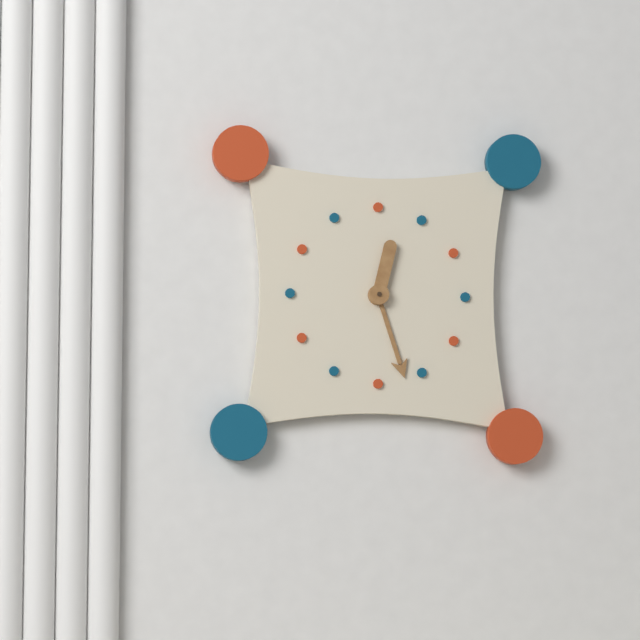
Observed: **12:27**
